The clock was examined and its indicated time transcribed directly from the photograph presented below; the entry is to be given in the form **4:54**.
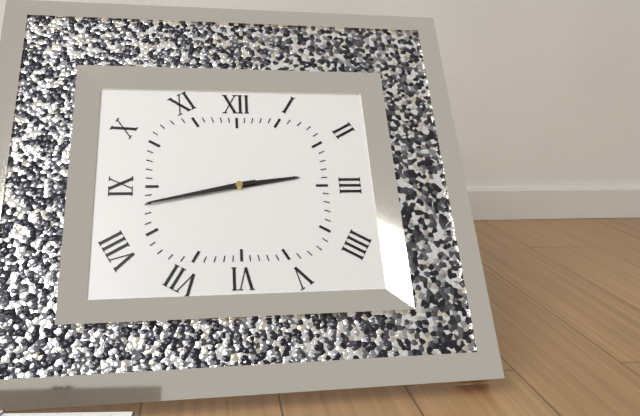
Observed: **2:43**
